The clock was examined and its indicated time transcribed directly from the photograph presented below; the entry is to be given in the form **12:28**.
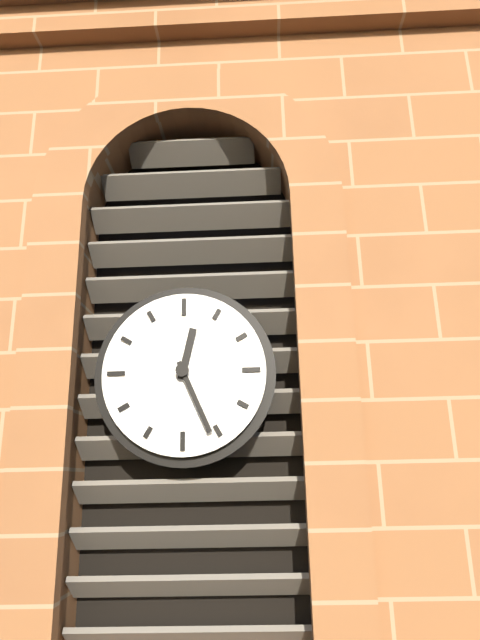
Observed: **12:26**
